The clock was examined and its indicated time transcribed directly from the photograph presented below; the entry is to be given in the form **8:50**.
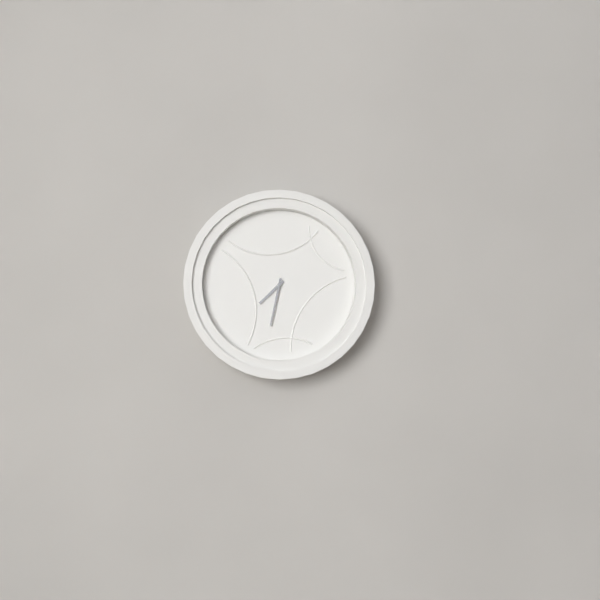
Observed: **7:32**
